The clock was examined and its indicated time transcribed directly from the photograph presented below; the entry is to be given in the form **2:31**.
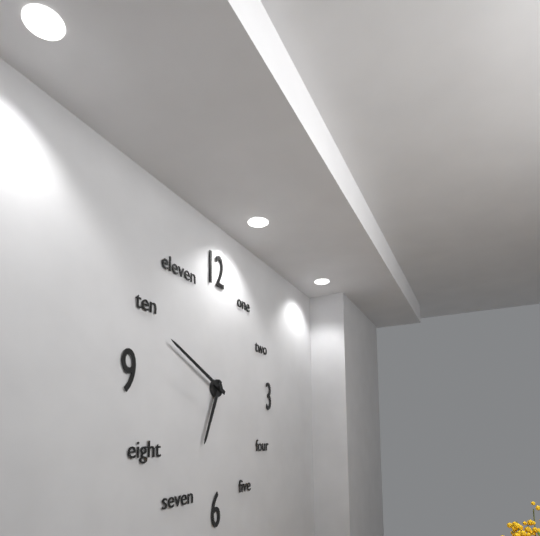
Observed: **6:49**
